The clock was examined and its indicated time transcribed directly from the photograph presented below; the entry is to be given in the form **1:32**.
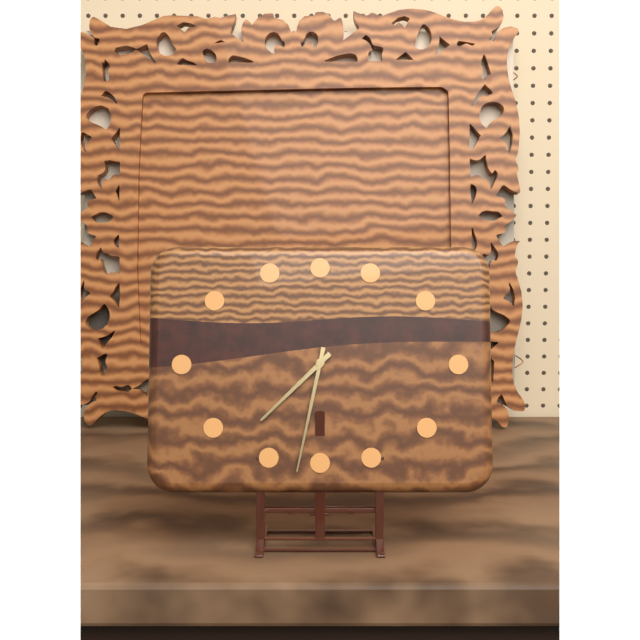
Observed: **7:32**
